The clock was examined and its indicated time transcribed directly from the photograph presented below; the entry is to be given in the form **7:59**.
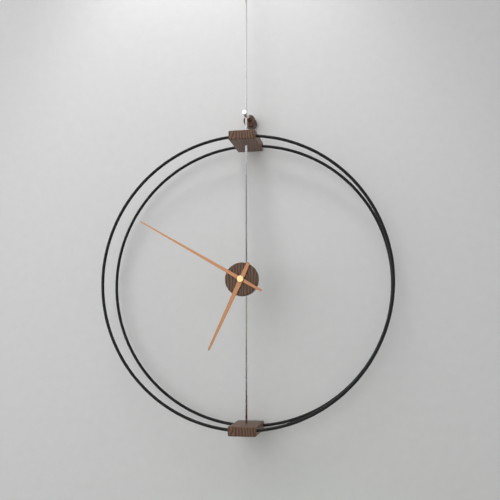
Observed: **6:50**
